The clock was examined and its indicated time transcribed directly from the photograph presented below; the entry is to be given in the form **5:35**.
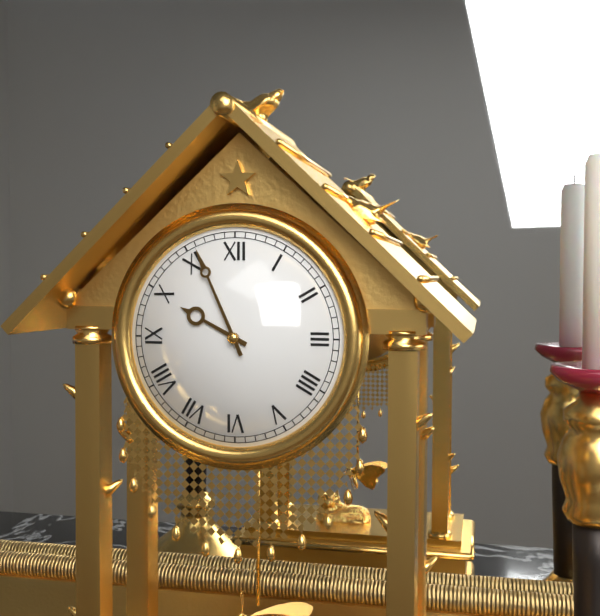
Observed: **9:56**
